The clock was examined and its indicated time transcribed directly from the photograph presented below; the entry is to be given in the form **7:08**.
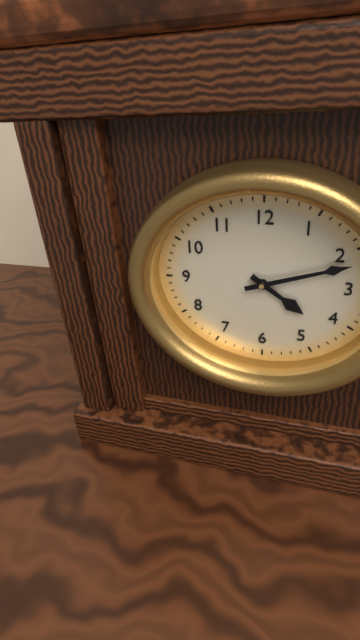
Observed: **4:12**
